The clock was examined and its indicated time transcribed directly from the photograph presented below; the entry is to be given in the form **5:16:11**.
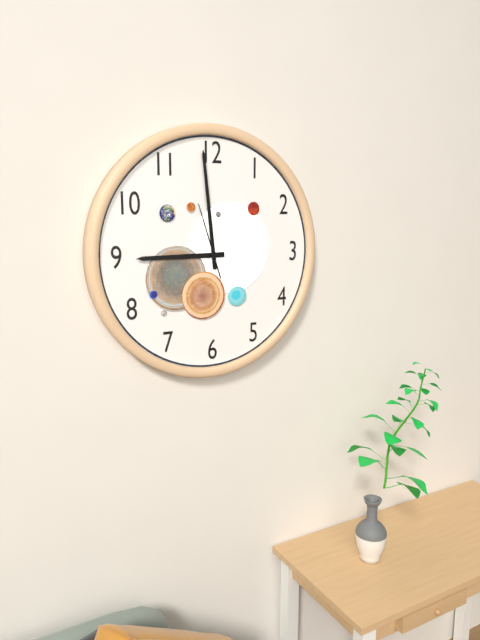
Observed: **8:59:57**
